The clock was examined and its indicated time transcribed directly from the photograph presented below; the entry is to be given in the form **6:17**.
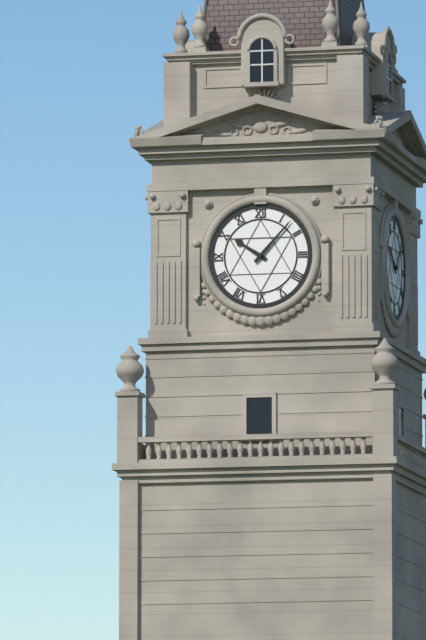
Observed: **10:07**
